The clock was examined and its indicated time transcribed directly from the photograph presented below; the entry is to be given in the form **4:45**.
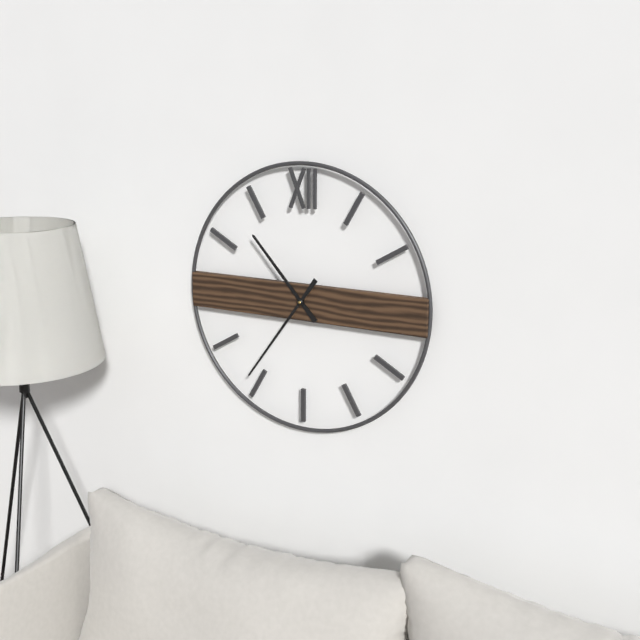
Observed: **10:36**
